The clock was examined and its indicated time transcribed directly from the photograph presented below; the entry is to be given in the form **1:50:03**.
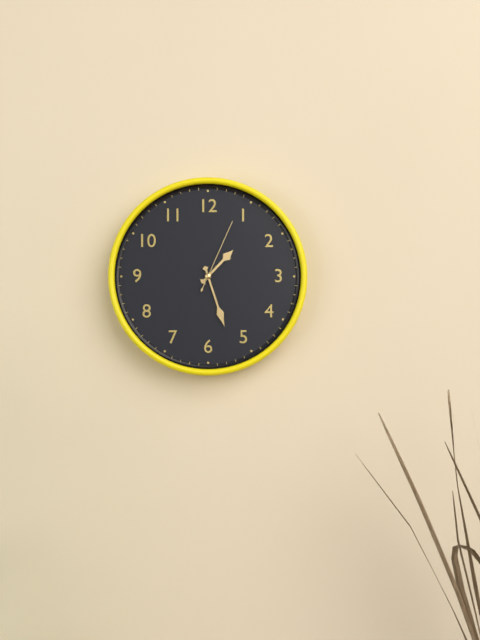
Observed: **1:27:04**
